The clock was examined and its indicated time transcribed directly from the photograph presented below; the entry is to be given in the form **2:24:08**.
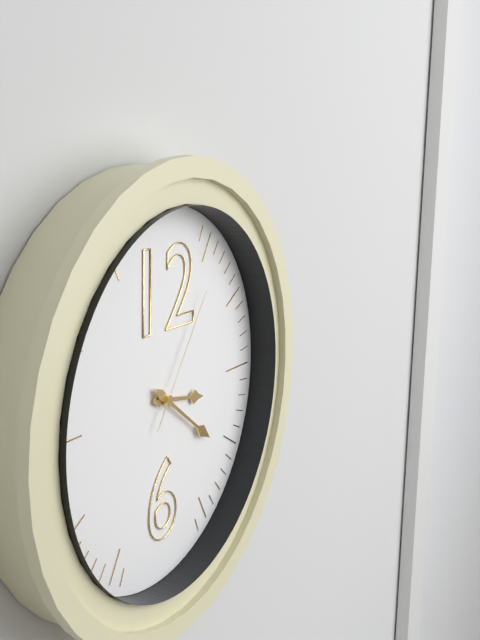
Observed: **3:21:06**
